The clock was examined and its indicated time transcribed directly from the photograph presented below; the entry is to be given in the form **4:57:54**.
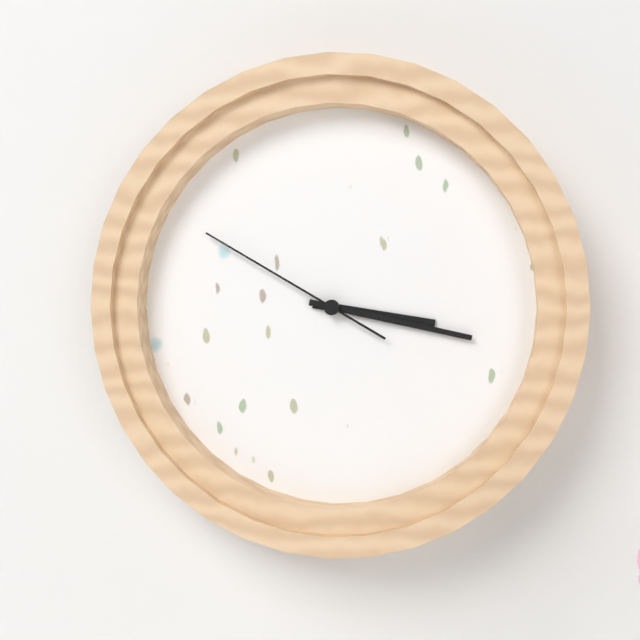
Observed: **3:17:50**
